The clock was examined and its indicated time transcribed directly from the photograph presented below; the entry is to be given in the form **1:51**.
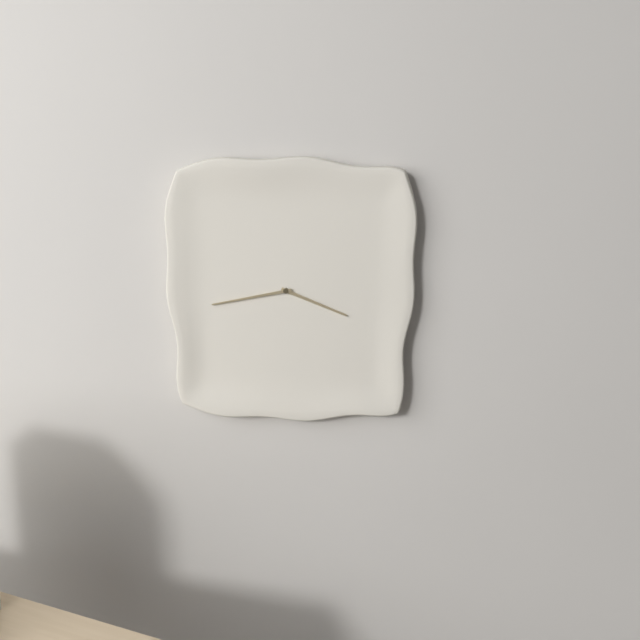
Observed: **3:43**
